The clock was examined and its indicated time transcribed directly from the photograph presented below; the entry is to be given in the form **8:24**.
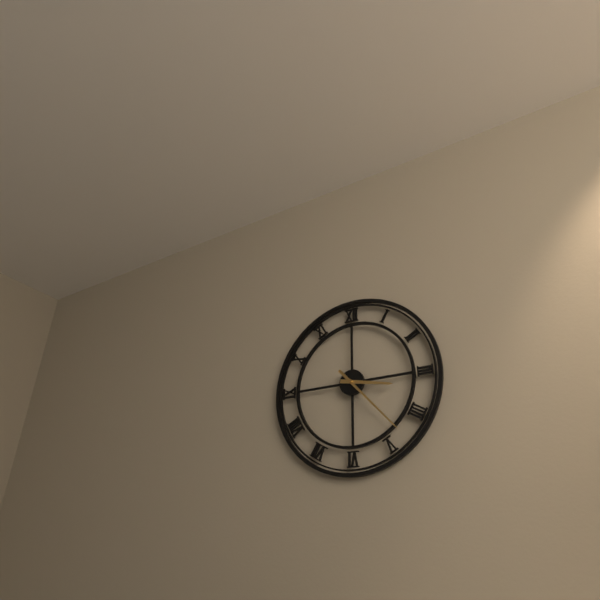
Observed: **3:23**
